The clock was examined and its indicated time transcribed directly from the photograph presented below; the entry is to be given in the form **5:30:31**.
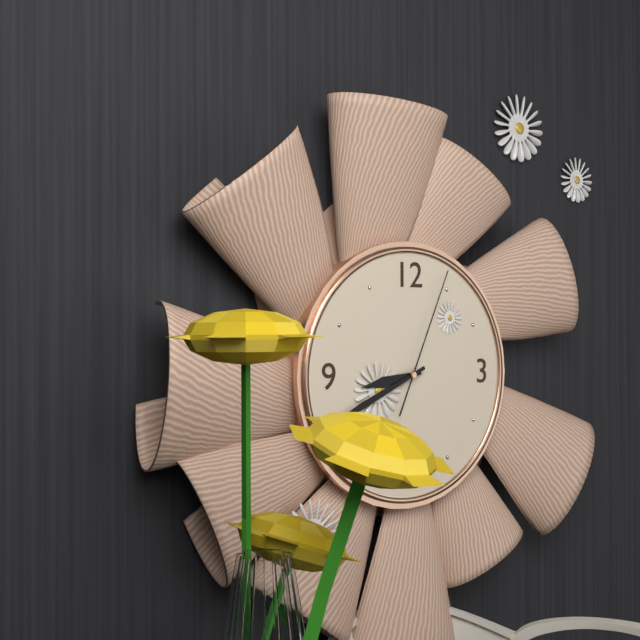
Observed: **8:41:04**
